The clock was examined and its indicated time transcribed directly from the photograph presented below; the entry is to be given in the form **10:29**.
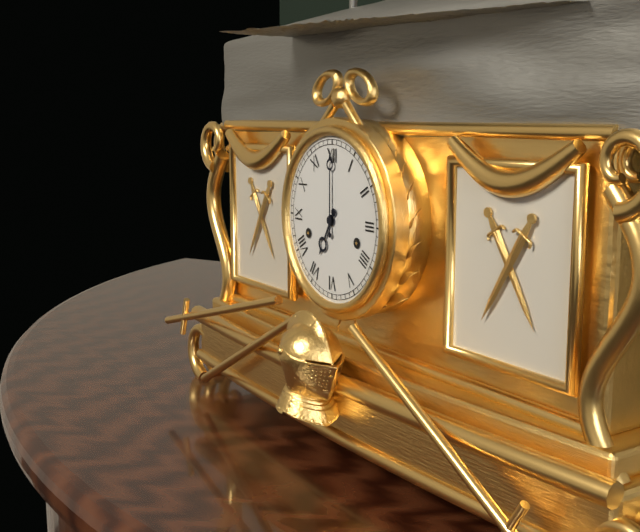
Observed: **7:00**
